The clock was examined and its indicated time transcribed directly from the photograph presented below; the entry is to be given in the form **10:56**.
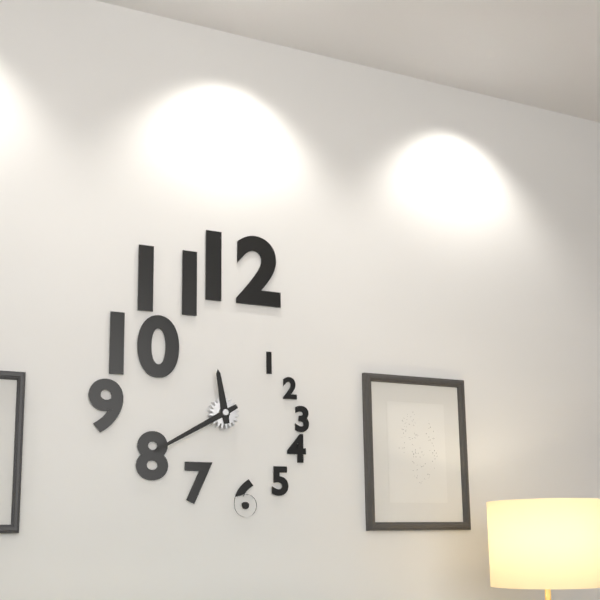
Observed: **11:40**
